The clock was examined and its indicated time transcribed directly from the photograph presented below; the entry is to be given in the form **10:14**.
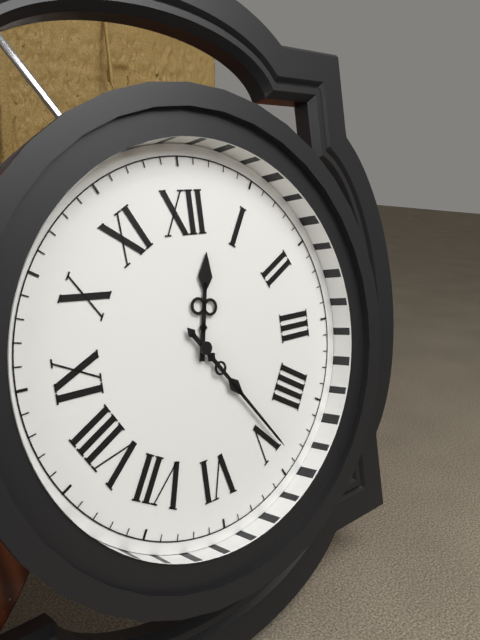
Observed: **12:24**
